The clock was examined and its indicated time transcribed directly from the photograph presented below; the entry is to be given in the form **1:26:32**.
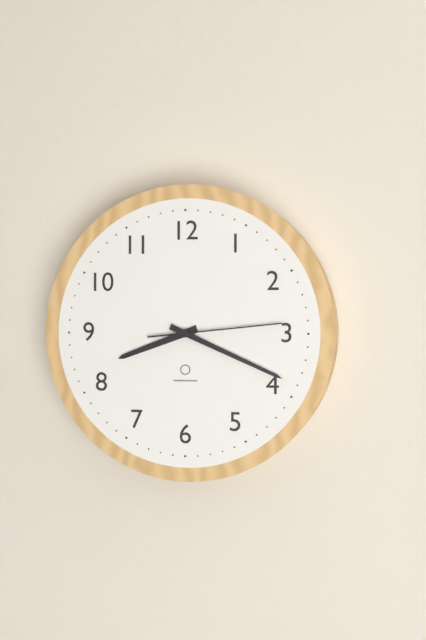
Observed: **8:19:14**
